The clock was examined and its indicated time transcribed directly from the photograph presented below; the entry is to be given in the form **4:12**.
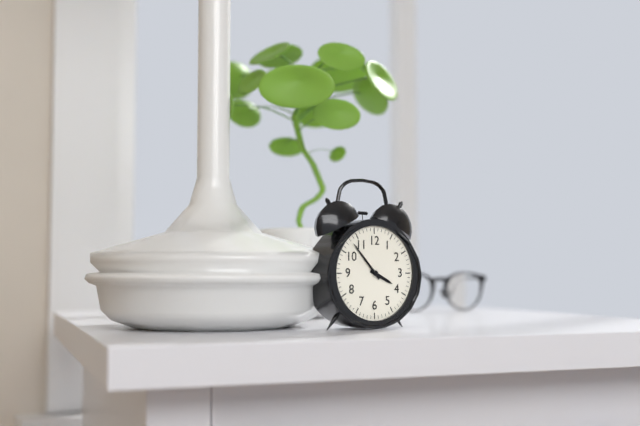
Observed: **3:53**
